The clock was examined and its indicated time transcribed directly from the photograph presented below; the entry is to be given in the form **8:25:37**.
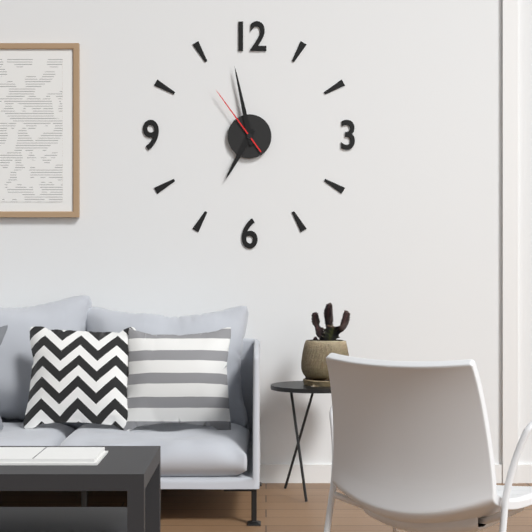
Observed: **6:58:54**
